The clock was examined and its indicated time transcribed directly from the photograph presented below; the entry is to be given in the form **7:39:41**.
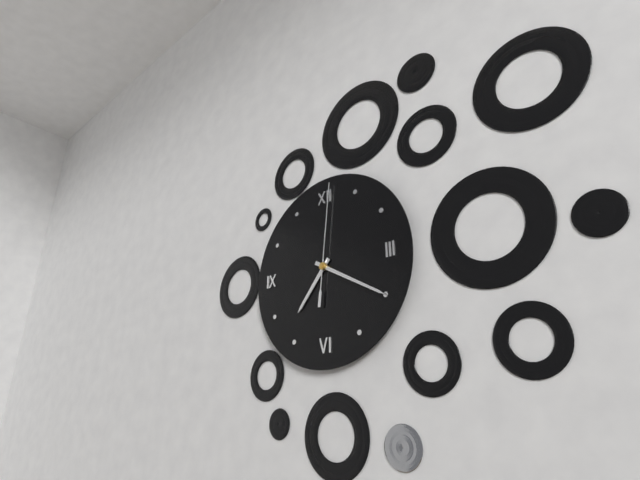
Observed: **7:20:01**
